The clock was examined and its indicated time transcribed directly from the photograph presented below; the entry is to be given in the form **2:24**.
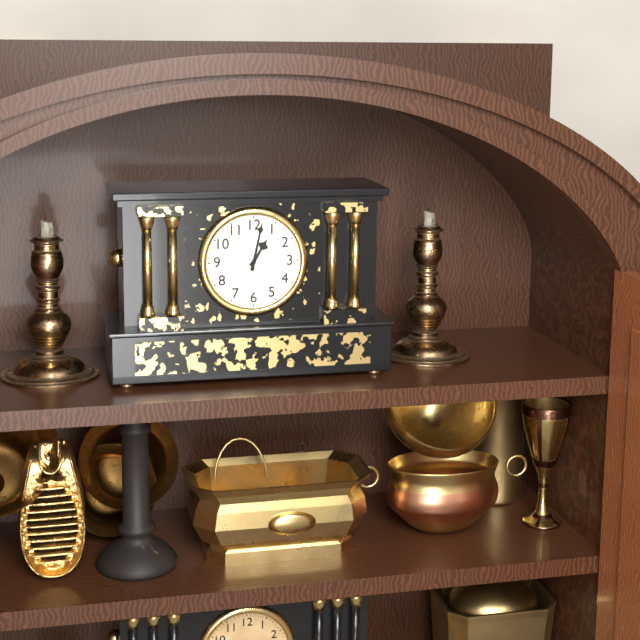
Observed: **1:02**
